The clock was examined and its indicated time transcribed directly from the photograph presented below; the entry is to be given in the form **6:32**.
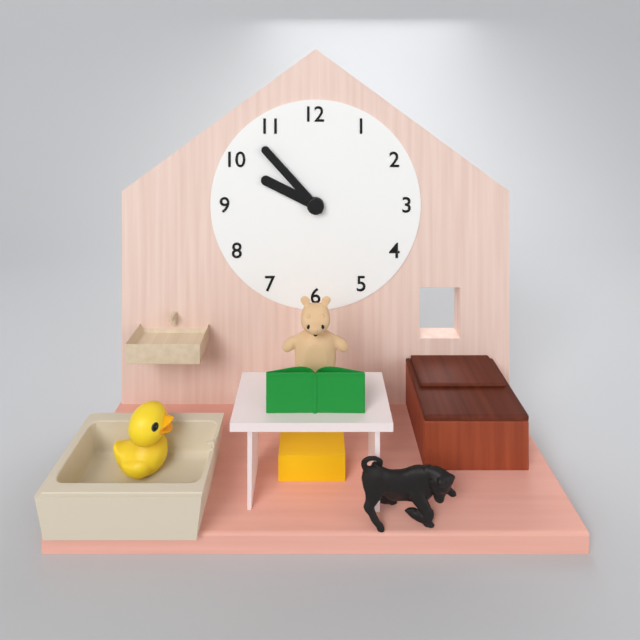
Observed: **9:53**
